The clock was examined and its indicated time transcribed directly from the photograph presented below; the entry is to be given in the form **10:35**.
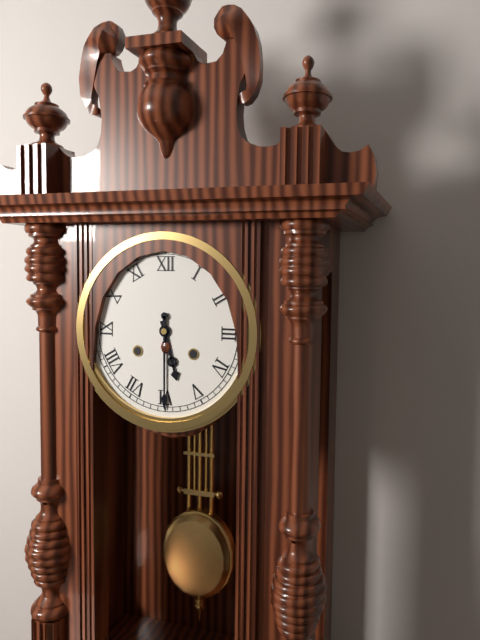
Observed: **5:30**
